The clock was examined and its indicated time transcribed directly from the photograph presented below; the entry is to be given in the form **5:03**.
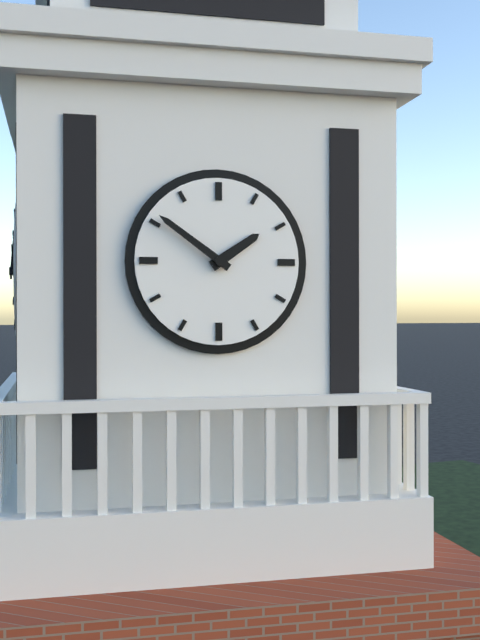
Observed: **1:51**
